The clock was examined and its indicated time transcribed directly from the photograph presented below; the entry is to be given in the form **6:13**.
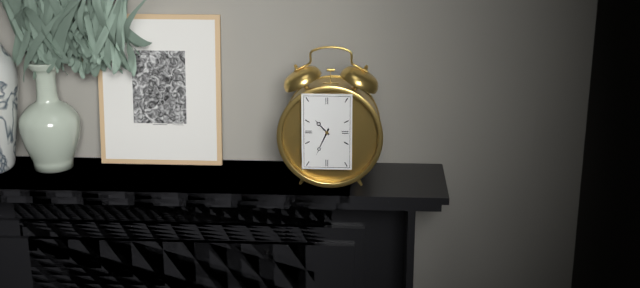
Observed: **10:34**
